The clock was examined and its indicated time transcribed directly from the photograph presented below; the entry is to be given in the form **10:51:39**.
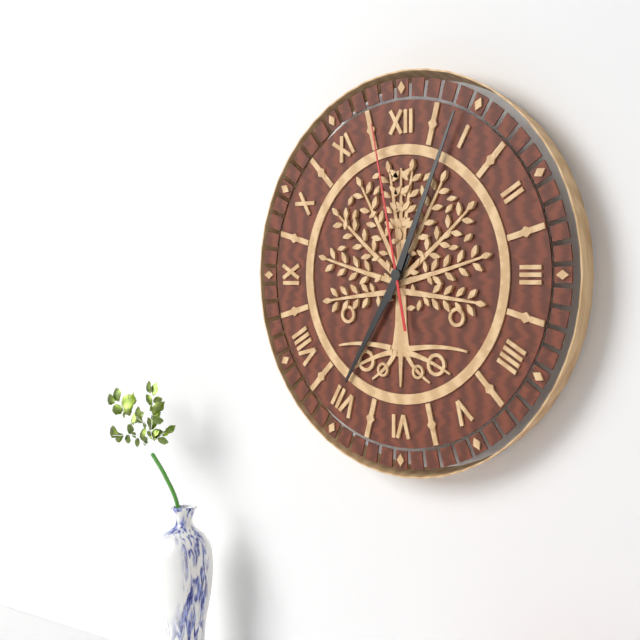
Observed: **7:04:58**
